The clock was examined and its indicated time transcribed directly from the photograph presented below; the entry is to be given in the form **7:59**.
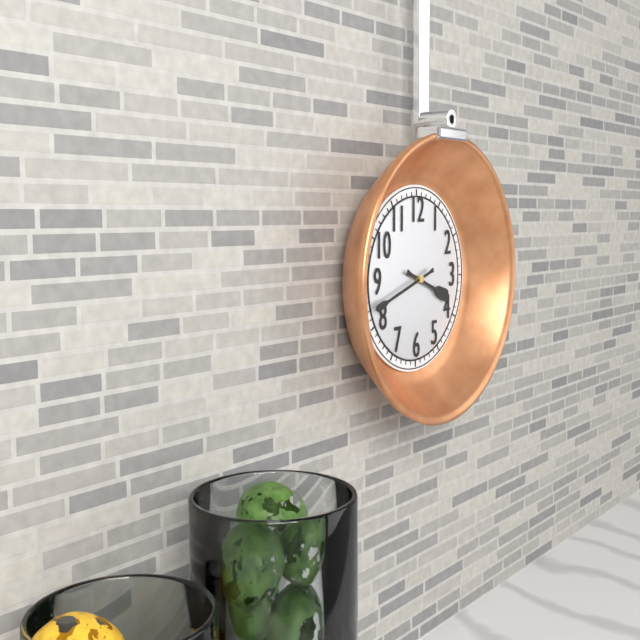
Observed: **3:42**
